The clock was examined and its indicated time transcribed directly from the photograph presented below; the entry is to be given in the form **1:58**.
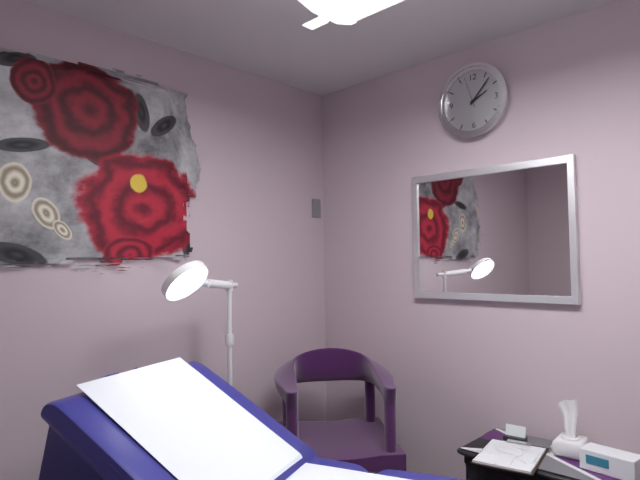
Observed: **2:07**
